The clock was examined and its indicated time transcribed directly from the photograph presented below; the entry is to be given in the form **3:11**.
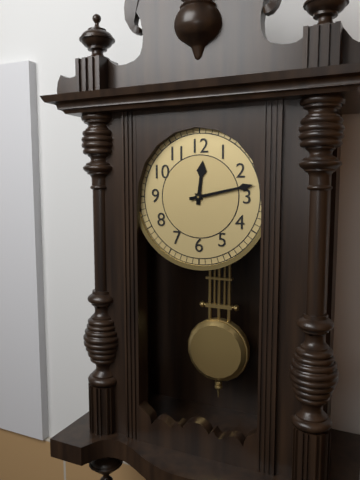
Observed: **12:13**
